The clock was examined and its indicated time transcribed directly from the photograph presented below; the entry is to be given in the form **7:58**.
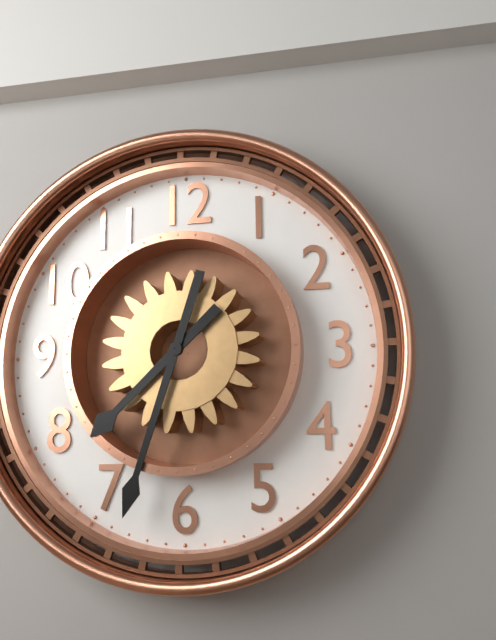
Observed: **7:33**
